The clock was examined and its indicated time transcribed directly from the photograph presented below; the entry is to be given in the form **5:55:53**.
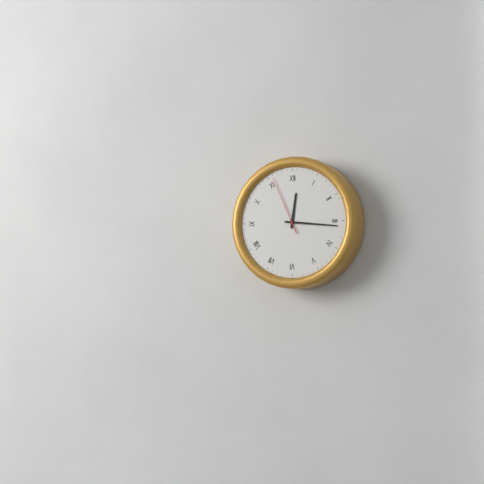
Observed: **12:16:56**
